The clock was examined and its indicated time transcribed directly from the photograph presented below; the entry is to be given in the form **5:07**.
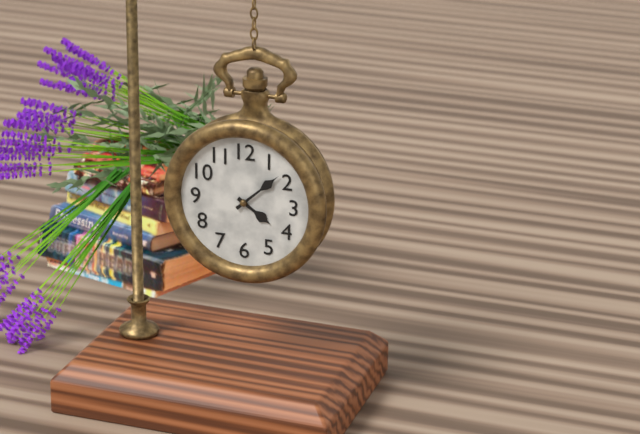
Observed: **4:08**
